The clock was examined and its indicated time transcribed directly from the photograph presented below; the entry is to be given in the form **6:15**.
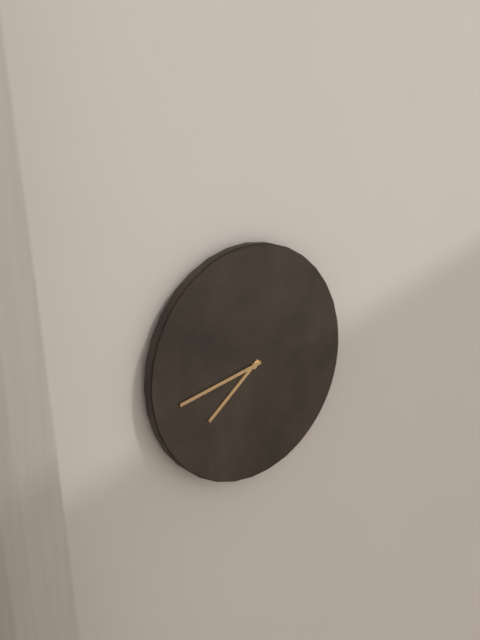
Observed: **7:43**
